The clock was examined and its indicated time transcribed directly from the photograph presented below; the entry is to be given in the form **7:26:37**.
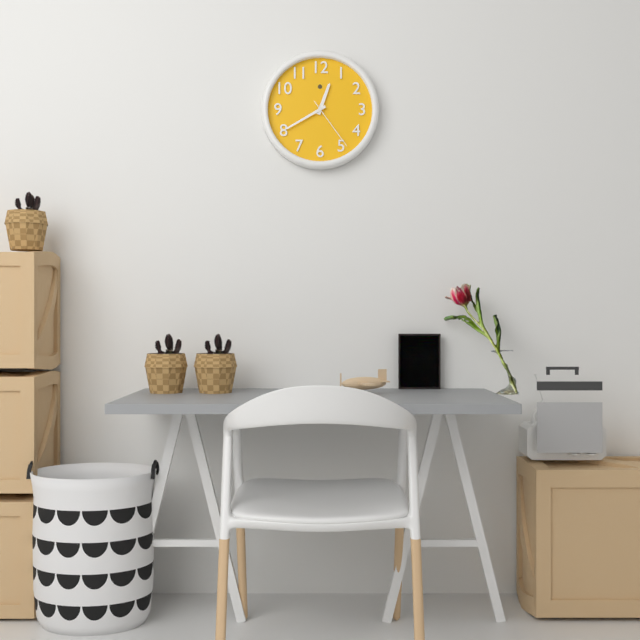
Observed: **12:40:24**
